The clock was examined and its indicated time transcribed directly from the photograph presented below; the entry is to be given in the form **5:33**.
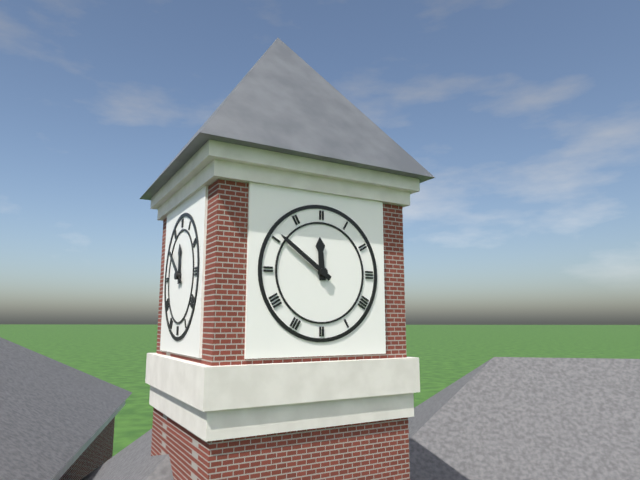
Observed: **11:51**
